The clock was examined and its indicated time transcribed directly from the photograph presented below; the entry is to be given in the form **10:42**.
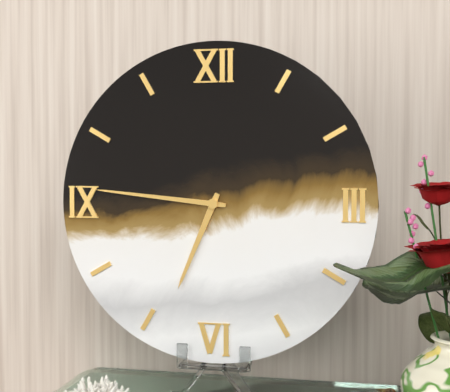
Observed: **6:46**
